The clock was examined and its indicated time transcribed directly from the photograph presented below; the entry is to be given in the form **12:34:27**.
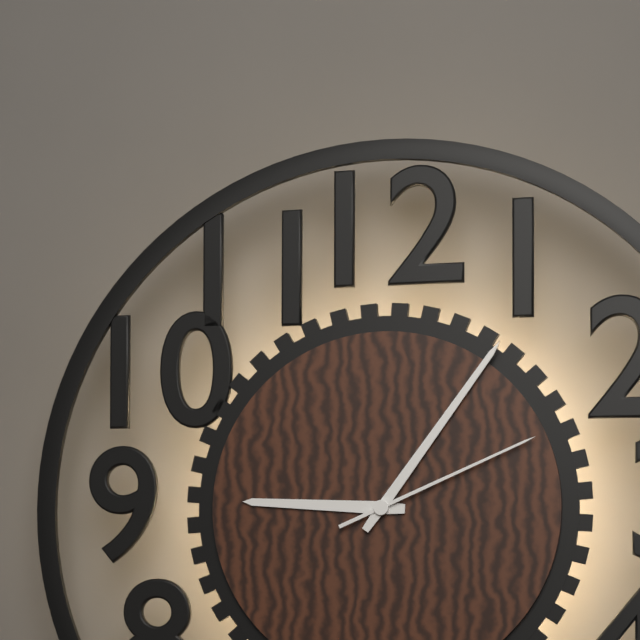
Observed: **9:06:11**
